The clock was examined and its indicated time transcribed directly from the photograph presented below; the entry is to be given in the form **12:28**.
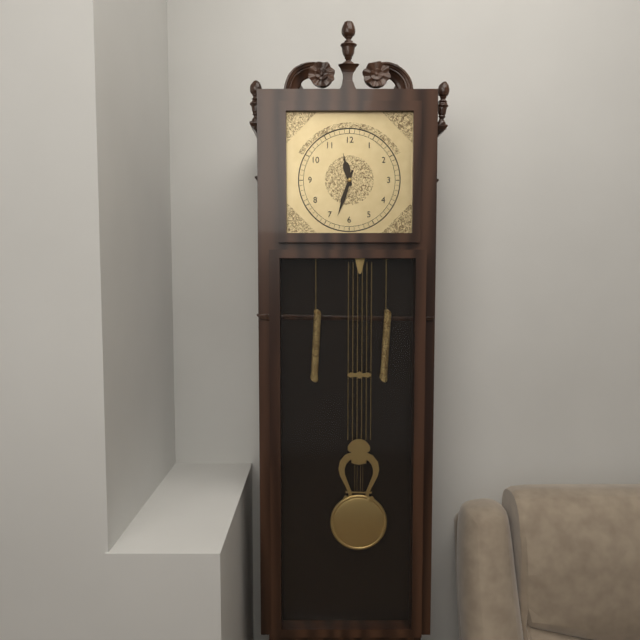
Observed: **11:33**
